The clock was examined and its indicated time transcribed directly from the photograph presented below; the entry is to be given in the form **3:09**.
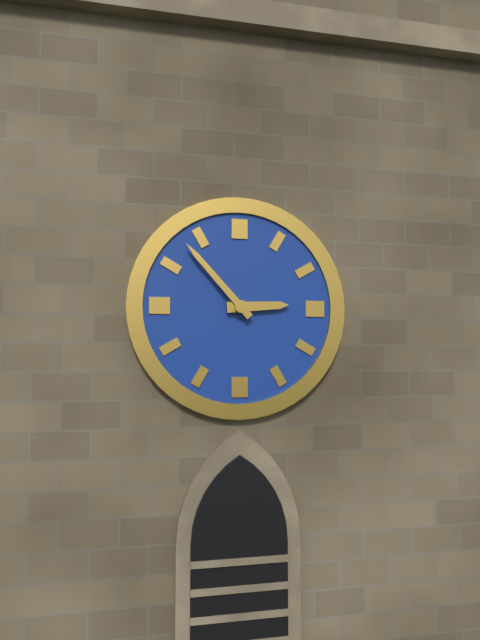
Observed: **2:53**
